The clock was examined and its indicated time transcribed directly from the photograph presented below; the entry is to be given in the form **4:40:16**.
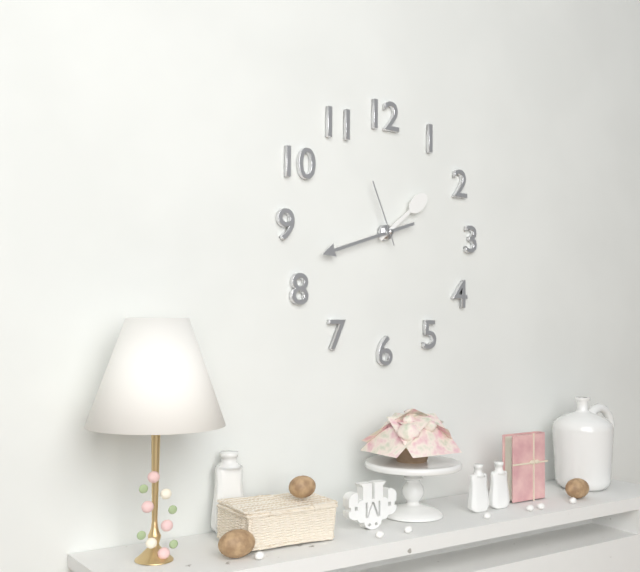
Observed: **1:42:56**
